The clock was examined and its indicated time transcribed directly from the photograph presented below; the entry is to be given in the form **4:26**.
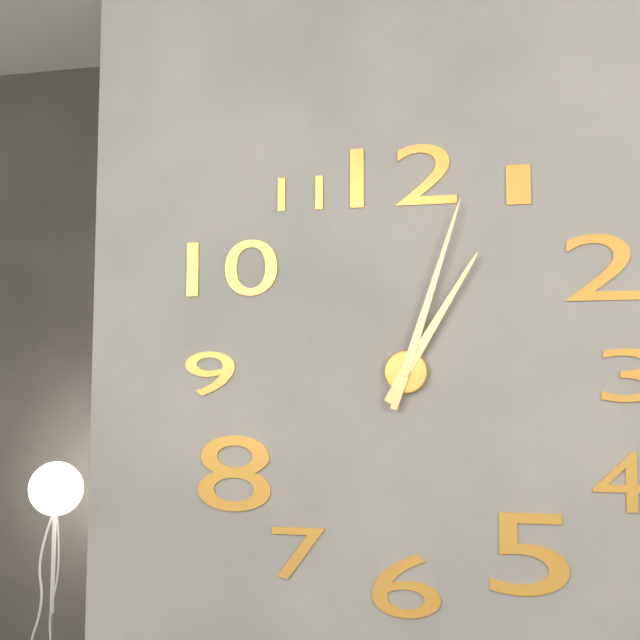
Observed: **1:03**
